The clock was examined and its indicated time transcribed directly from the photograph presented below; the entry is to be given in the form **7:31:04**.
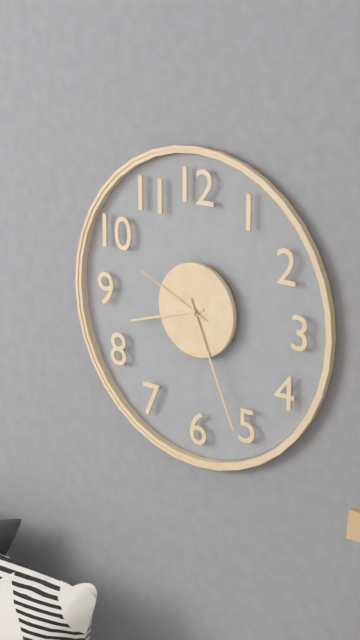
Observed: **8:26:49**
